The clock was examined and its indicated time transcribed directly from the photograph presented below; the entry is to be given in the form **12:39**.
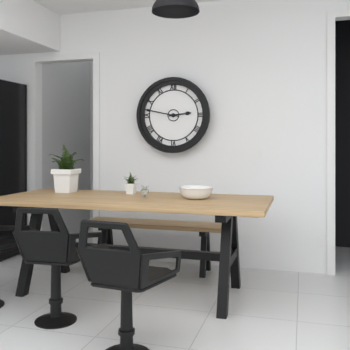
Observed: **2:47**
